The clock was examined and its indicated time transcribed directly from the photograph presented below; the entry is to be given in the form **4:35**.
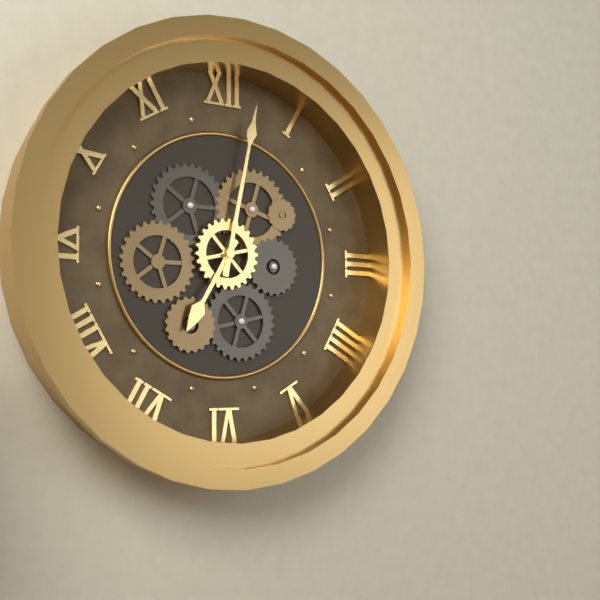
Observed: **7:02**
